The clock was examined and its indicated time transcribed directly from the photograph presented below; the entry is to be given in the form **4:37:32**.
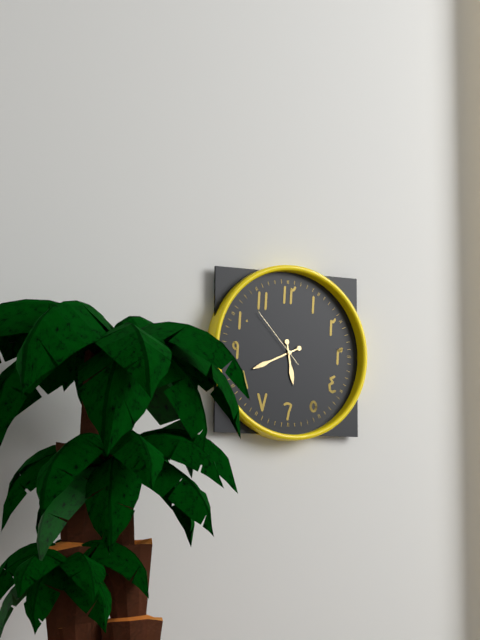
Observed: **5:41:53**
